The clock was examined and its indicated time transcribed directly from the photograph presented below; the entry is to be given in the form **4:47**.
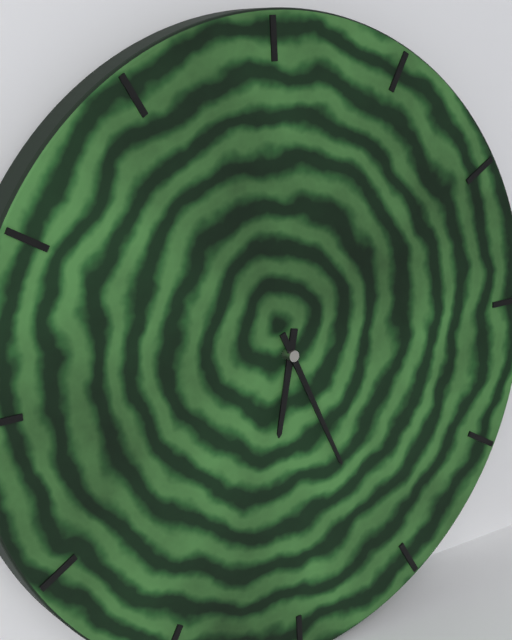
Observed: **6:26**
